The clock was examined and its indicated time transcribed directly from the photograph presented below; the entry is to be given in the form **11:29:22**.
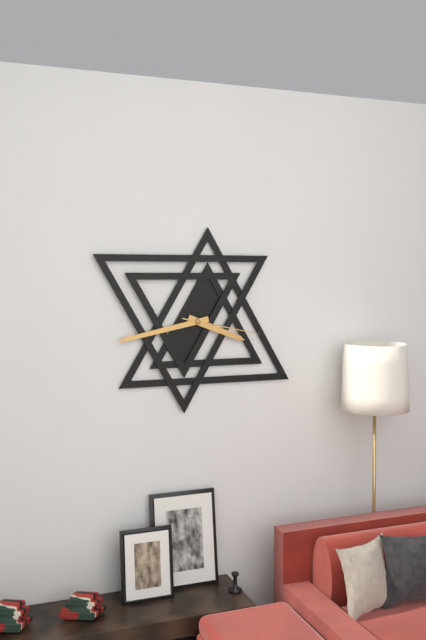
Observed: **3:43:17**
